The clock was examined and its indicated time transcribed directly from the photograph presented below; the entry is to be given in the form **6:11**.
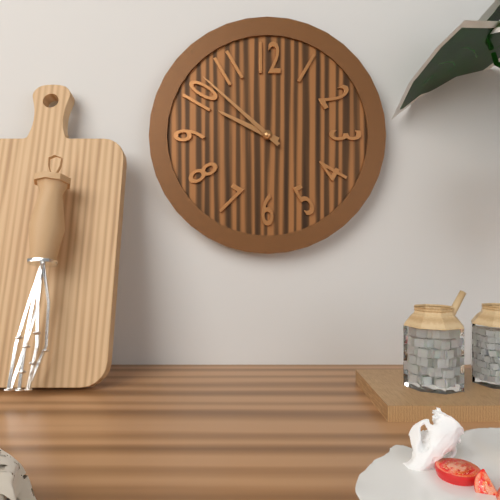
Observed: **9:52**
